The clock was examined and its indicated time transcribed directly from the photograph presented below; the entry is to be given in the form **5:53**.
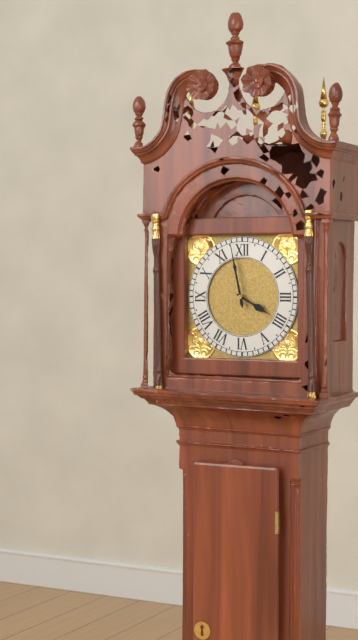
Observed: **3:58**
